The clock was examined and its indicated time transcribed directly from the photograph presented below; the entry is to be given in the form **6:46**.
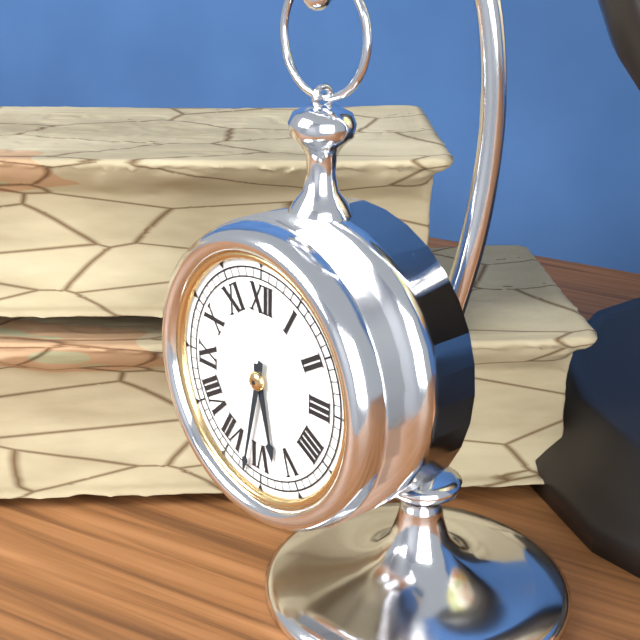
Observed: **5:32**
